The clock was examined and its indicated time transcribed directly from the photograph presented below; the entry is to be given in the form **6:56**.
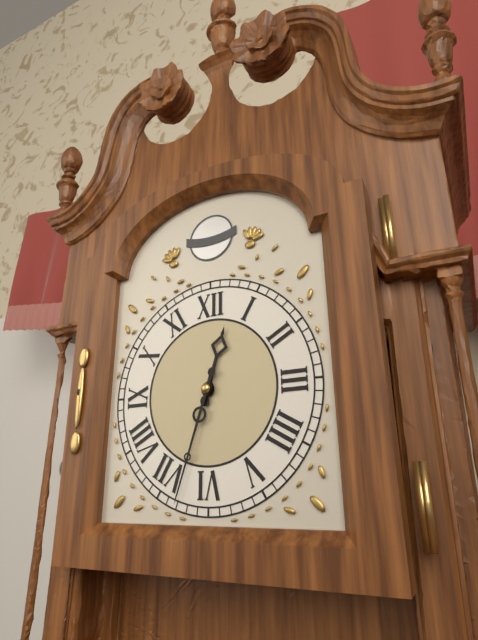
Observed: **12:33**
